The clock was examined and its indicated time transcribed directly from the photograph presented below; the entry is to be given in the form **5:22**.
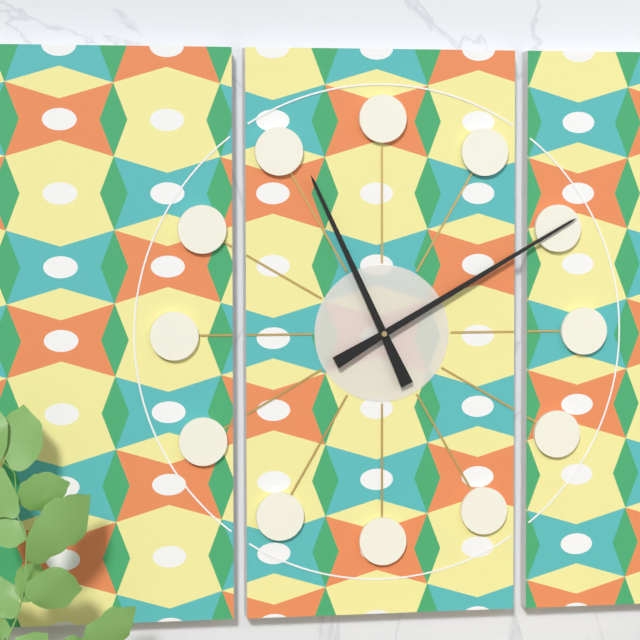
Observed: **11:10**
